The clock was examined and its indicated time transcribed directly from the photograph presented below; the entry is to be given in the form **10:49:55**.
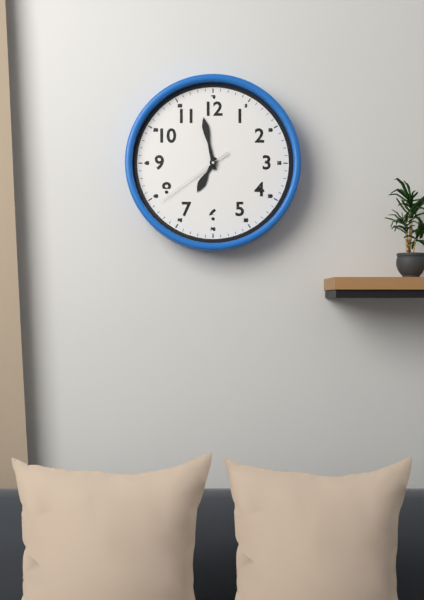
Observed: **6:58:39**
